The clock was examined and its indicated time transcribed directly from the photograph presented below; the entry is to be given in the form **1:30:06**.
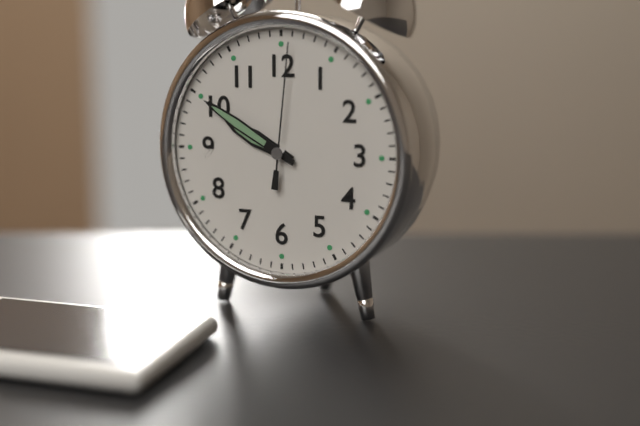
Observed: **9:50:01**
